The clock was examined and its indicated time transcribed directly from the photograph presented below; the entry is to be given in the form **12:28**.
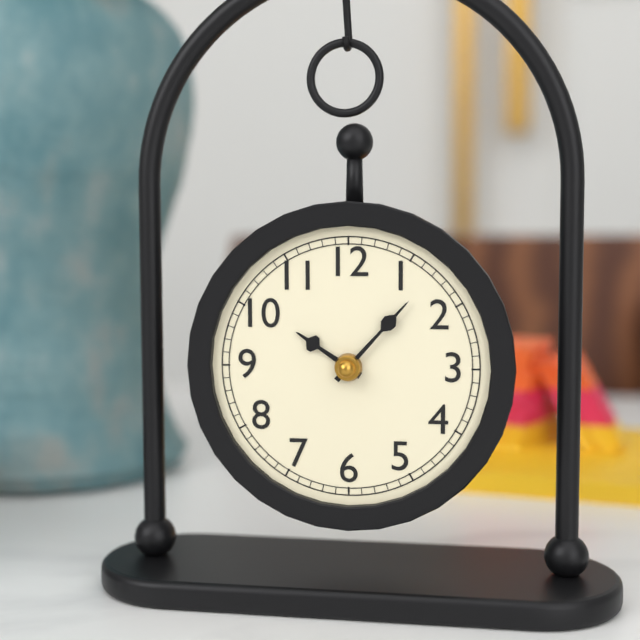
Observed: **10:07**
